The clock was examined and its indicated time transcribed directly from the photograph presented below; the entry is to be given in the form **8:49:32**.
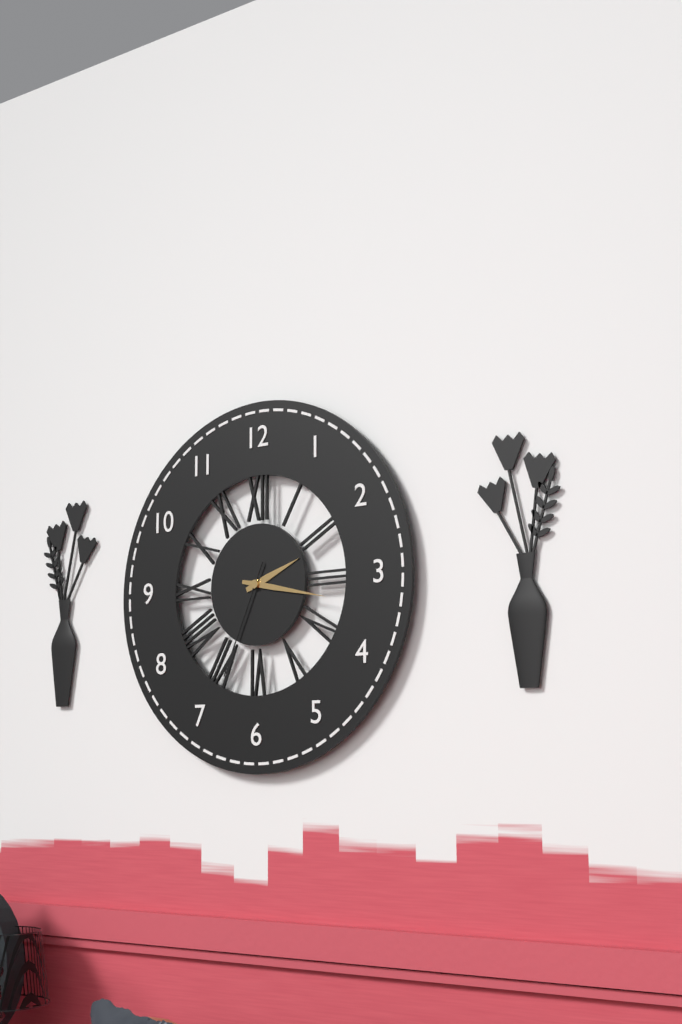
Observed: **2:17:34**
